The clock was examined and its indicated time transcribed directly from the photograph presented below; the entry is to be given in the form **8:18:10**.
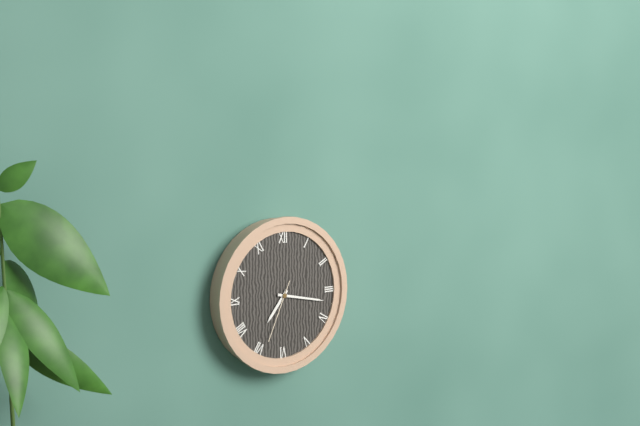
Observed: **7:17:34**
